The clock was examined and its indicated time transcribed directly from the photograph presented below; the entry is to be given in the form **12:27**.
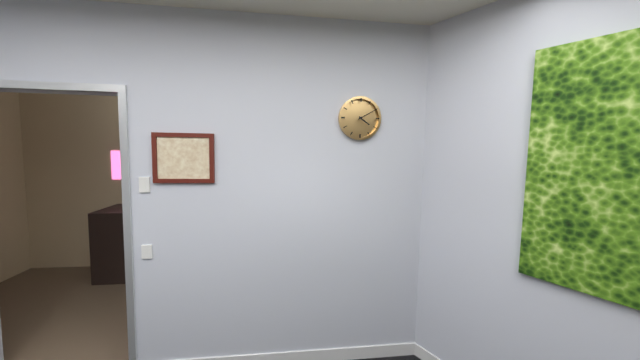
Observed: **4:10**
